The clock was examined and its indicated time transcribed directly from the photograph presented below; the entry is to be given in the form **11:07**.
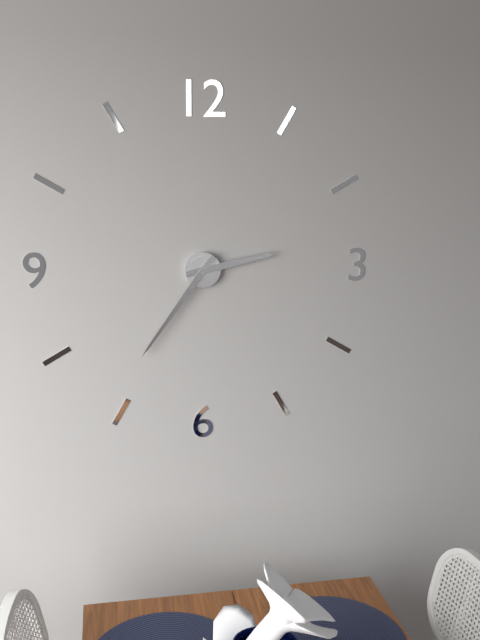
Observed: **2:36**
